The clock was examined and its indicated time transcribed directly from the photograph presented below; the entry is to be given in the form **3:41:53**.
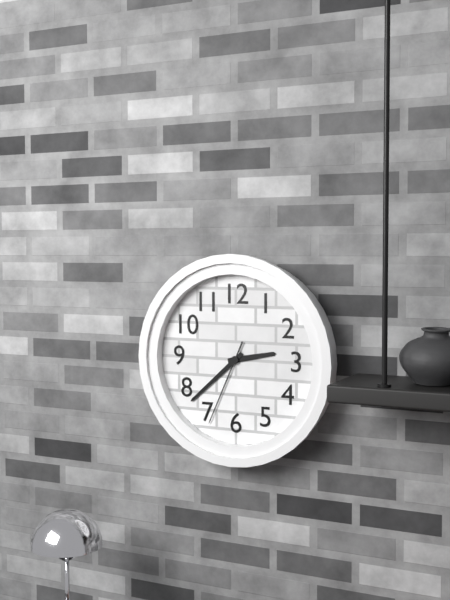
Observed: **2:38:34**
